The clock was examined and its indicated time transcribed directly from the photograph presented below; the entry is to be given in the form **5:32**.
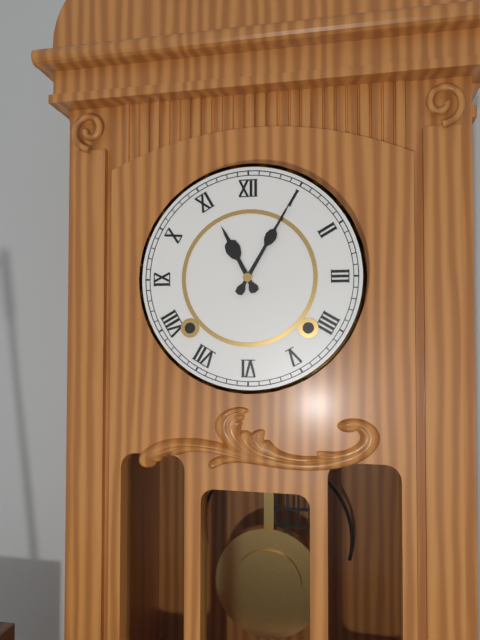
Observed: **11:05**
